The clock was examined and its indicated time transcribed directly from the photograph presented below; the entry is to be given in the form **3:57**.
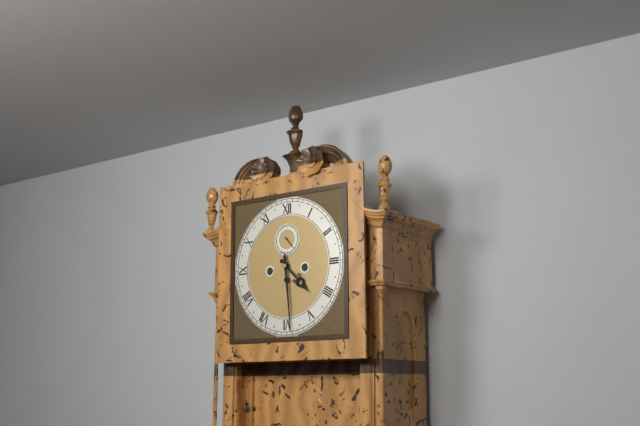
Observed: **4:29**
